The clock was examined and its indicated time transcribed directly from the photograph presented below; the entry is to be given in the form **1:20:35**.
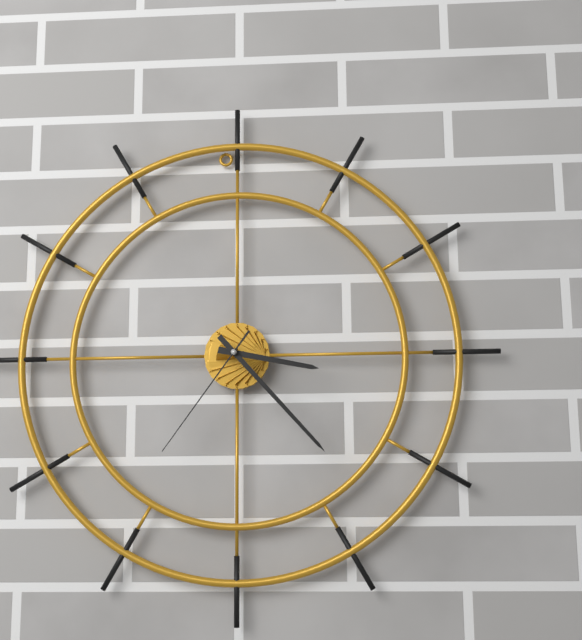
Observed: **3:23:36**
